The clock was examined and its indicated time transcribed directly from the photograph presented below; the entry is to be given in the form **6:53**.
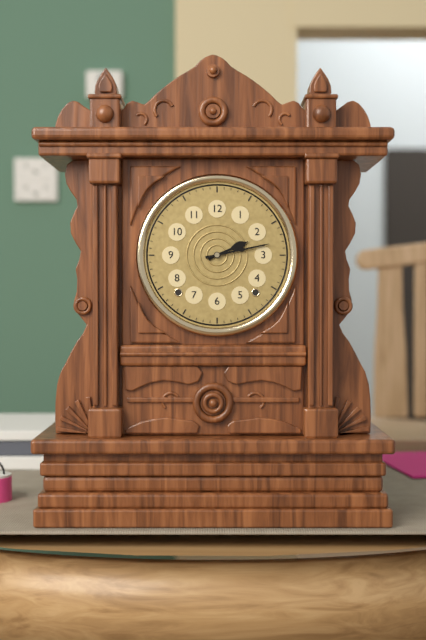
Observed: **2:13**
